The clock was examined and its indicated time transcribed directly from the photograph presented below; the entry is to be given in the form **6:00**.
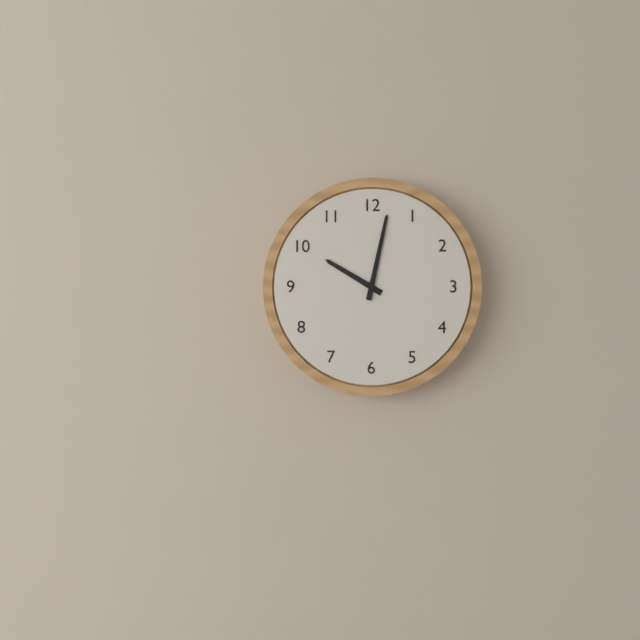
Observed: **10:02**
